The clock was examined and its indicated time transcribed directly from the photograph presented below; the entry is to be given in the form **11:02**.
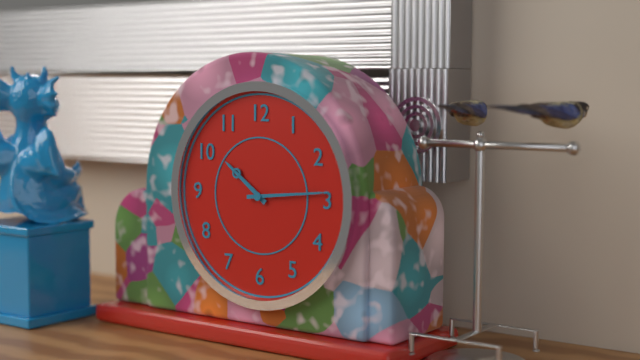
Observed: **10:14**
